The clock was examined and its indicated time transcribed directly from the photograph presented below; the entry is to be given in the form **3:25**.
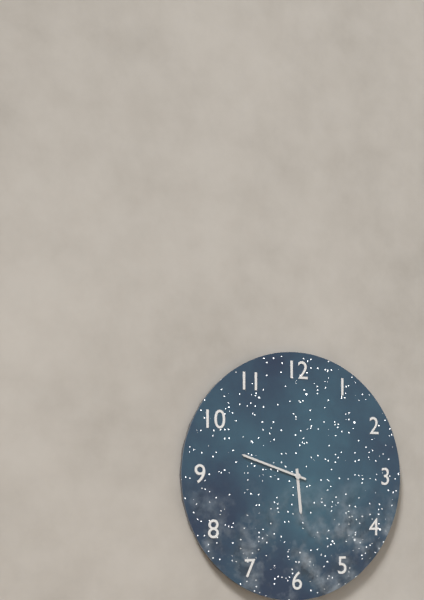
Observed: **5:48**
